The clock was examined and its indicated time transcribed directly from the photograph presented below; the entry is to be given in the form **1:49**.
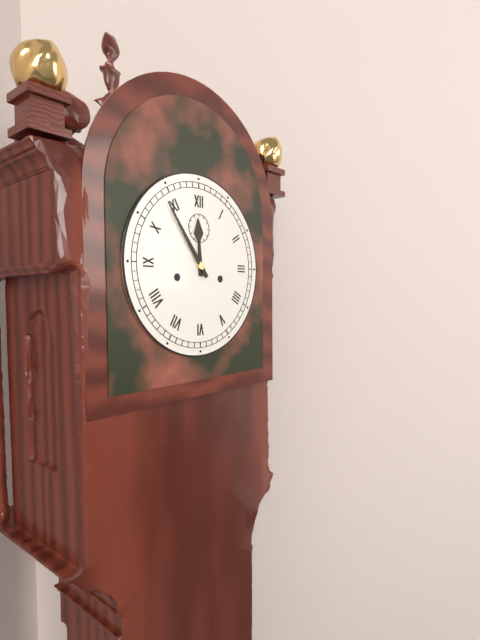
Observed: **11:54**
